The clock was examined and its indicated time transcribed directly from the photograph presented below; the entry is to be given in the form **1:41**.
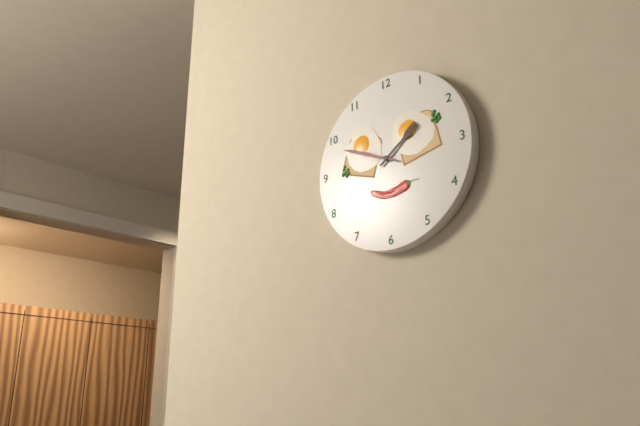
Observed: **1:49**
